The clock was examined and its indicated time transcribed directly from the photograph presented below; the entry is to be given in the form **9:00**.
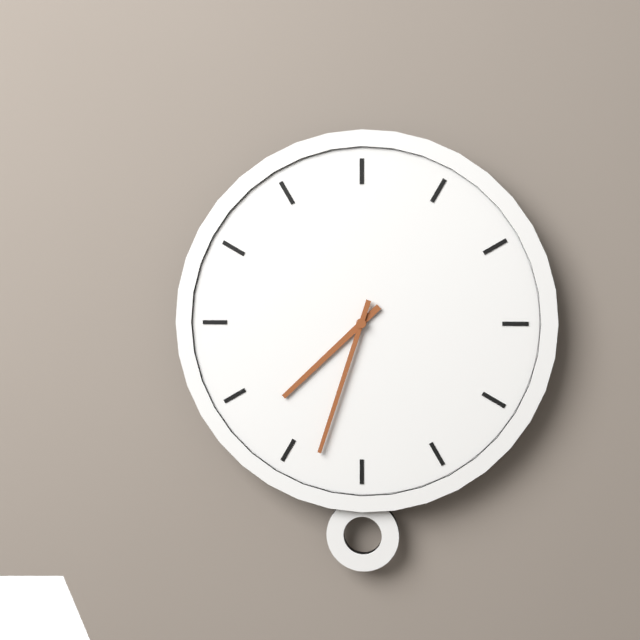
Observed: **7:33**
